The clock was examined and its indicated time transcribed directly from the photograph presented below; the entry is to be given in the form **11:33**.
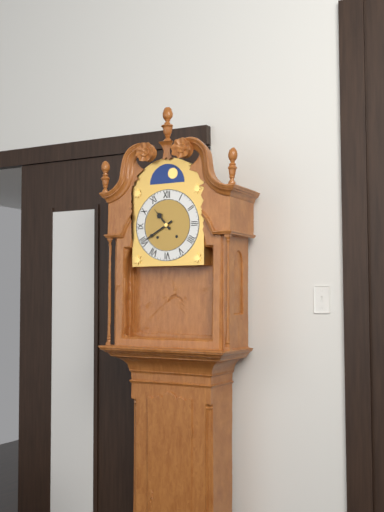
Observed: **10:40**
